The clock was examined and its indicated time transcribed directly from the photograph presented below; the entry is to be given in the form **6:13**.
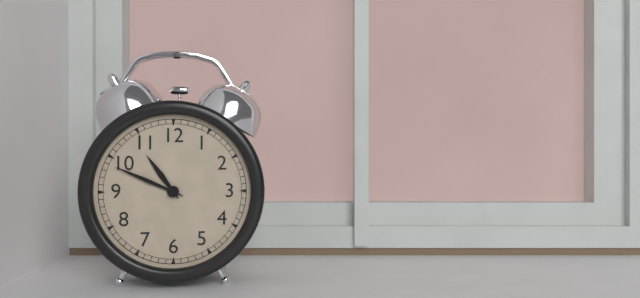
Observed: **10:49**
